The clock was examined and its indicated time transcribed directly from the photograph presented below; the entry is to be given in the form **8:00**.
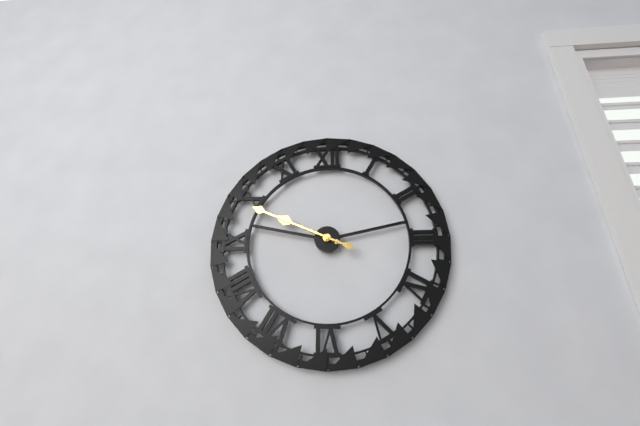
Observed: **9:49**
